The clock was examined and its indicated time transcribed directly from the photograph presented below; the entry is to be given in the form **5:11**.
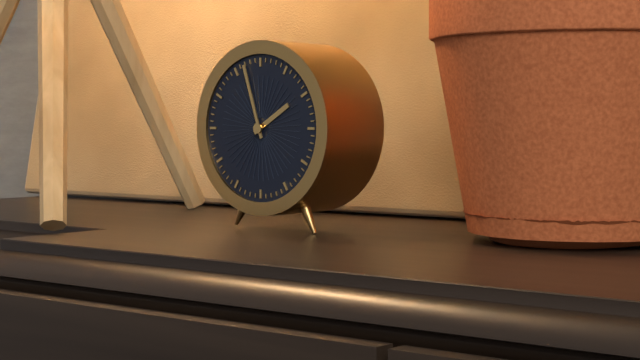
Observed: **1:57**
